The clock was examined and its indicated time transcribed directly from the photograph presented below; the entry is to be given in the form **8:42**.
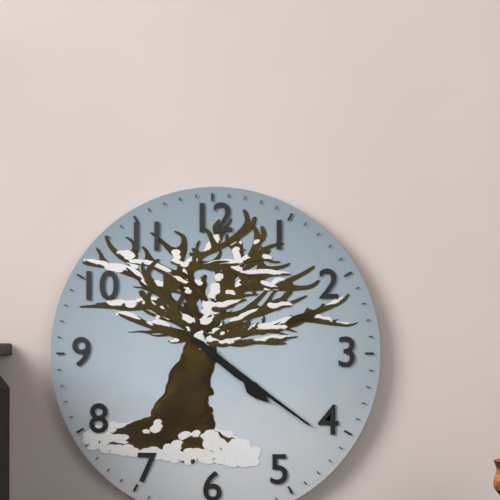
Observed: **4:21**
